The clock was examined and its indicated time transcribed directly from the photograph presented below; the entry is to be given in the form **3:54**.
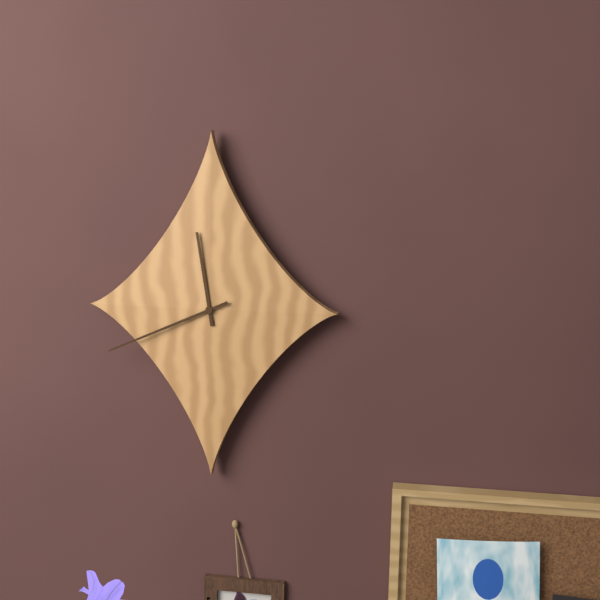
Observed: **11:41**
